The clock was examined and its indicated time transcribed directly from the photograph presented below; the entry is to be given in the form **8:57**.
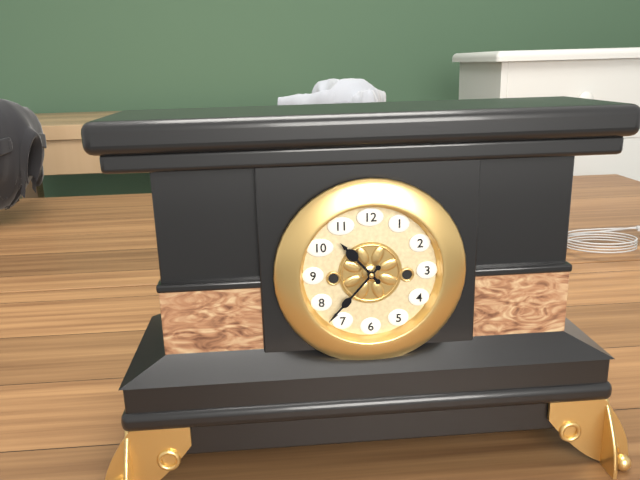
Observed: **10:37**
